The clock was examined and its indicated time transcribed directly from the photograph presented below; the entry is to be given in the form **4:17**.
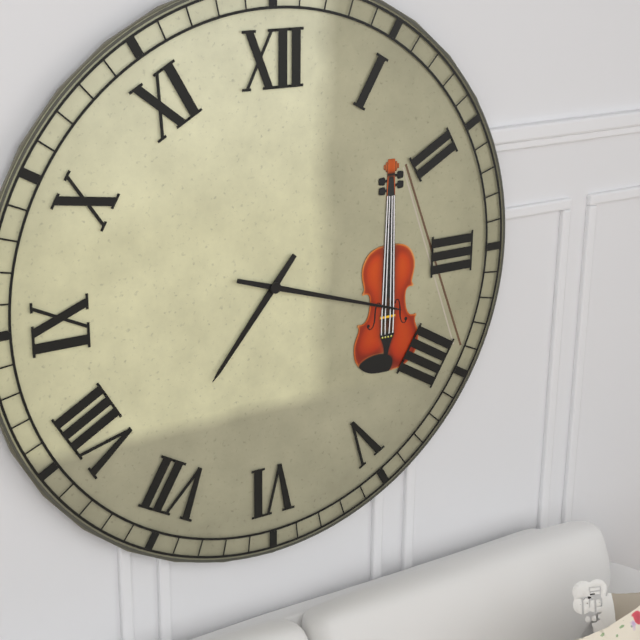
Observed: **7:18**
